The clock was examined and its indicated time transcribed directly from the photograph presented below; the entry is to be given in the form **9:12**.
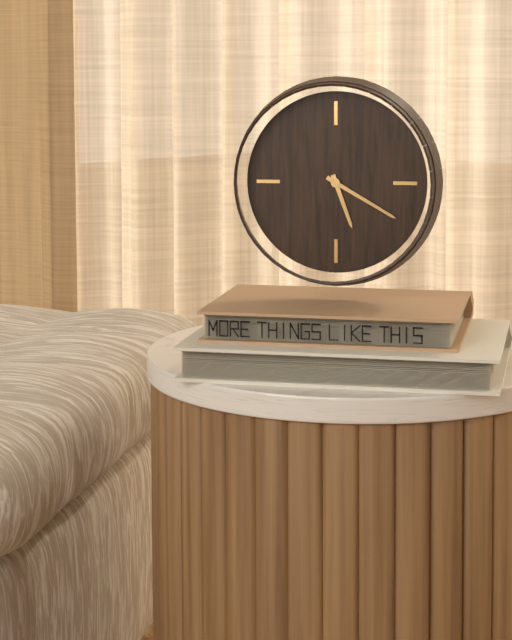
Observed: **5:20**
